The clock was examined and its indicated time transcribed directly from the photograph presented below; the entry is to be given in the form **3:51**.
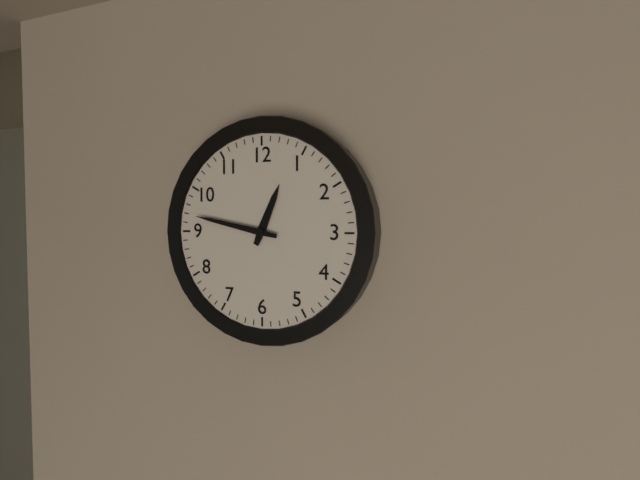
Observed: **12:47**
